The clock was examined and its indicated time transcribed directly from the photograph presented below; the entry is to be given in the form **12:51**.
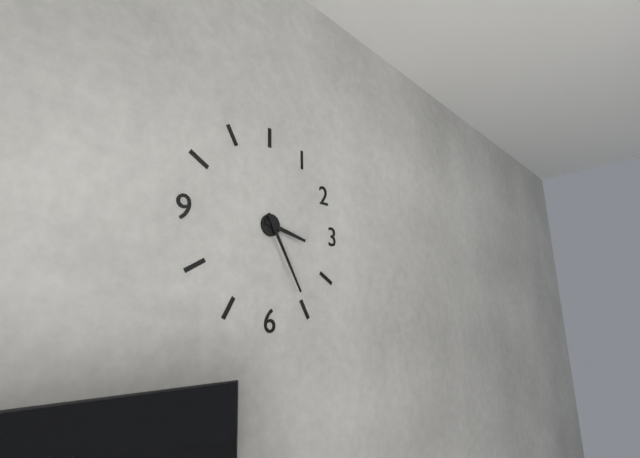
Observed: **3:25**
